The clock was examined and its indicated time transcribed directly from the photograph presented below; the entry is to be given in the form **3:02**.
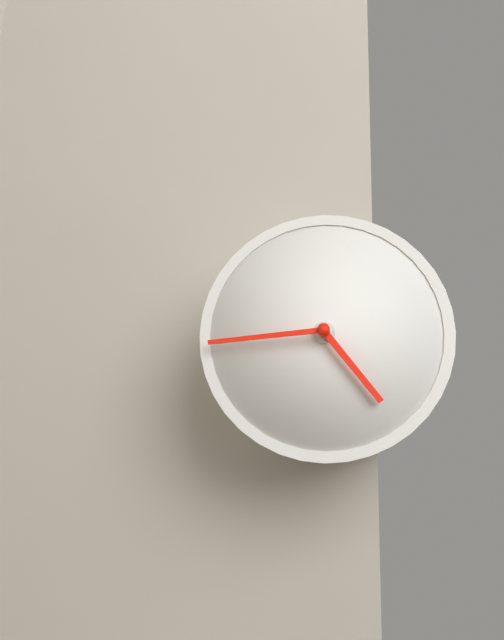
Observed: **4:44**
